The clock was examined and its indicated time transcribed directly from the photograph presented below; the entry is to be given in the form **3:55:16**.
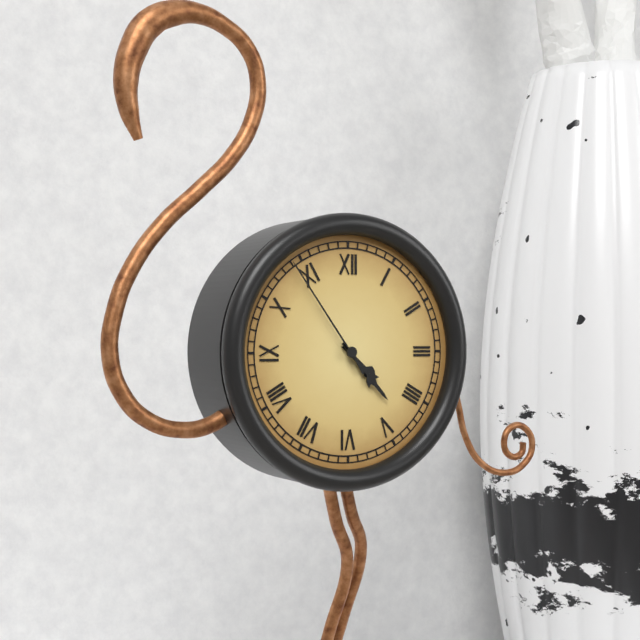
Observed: **4:23:54**
